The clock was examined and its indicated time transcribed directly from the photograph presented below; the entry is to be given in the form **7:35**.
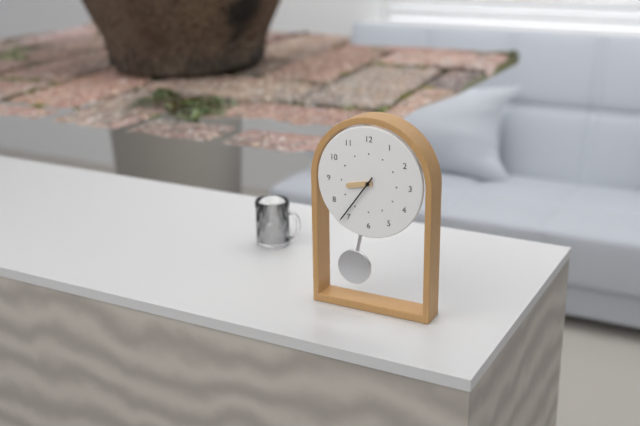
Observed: **8:36**
